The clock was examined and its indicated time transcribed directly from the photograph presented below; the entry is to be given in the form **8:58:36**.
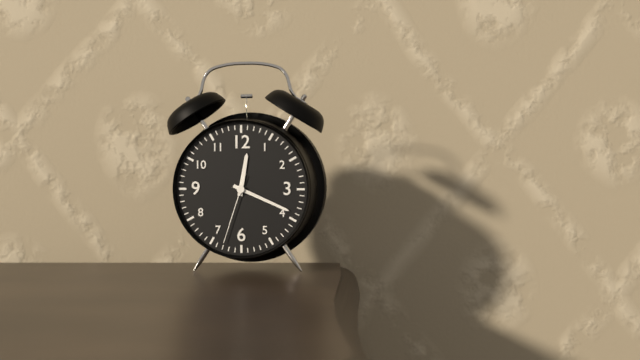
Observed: **12:19:33**
